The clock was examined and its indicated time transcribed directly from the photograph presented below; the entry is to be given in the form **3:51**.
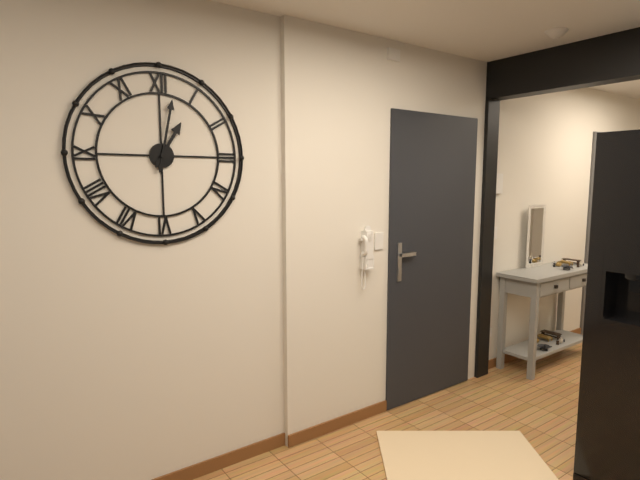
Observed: **1:02**
